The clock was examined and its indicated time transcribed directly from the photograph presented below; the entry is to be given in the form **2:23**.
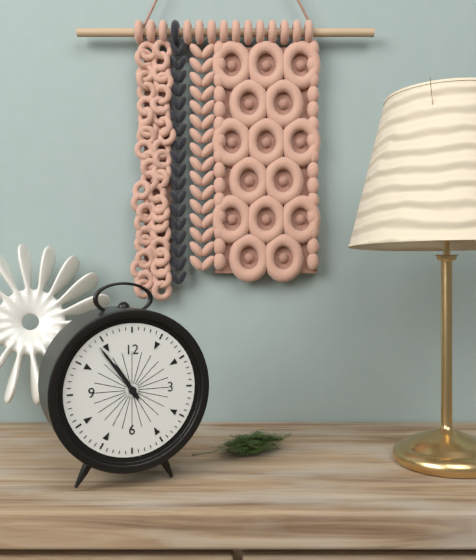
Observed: **10:54**
